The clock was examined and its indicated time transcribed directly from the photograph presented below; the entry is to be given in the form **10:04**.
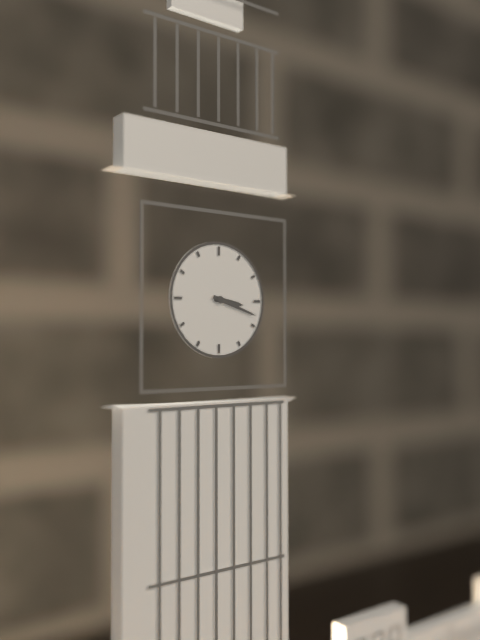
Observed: **3:18**
